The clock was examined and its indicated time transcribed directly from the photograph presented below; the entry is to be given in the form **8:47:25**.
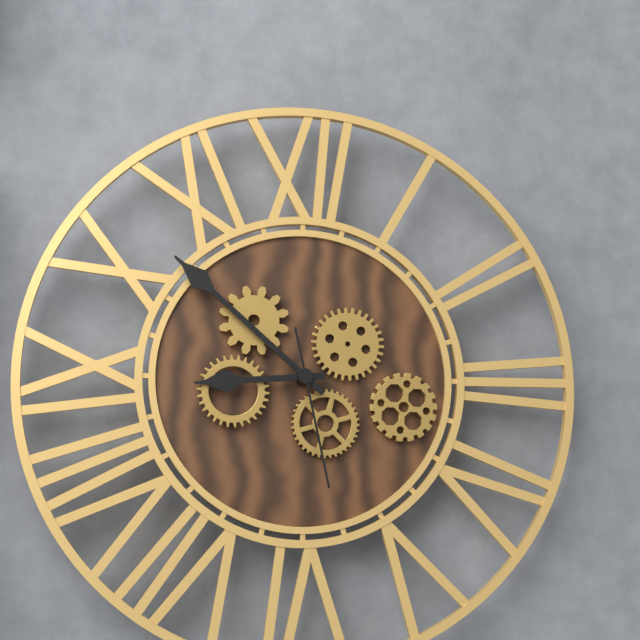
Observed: **8:52:28**
